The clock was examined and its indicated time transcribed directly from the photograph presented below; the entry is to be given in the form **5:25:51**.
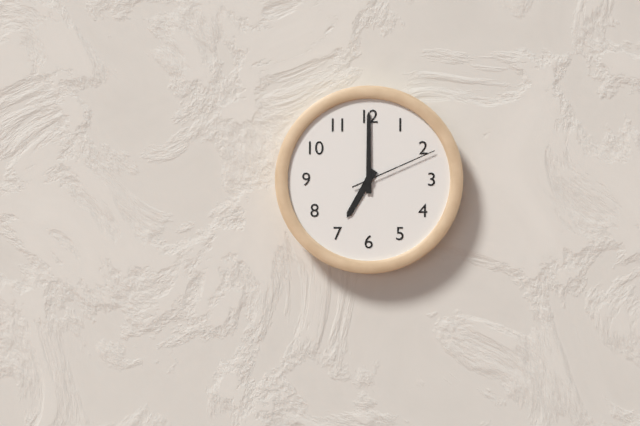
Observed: **7:00:11**
